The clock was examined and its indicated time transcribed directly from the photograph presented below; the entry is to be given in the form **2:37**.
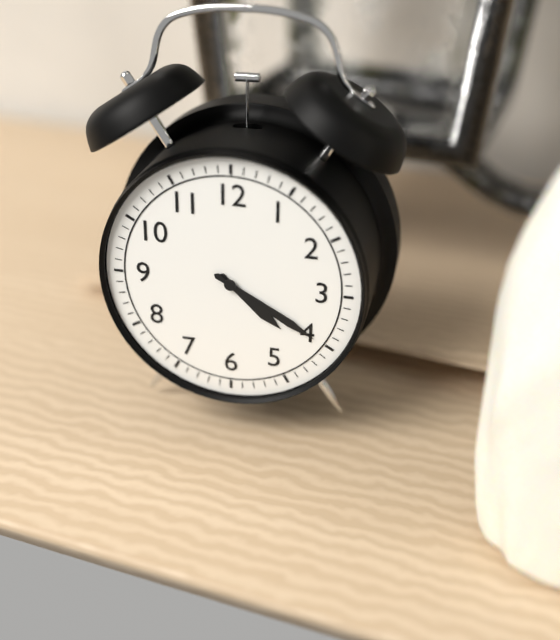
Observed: **4:20**
